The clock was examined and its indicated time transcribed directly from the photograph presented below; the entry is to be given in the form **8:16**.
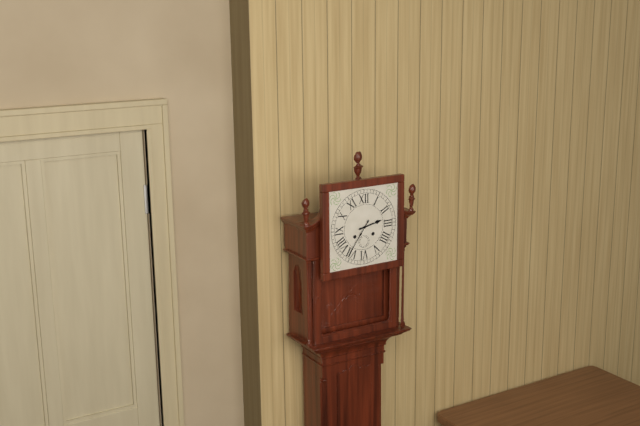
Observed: **2:36**
